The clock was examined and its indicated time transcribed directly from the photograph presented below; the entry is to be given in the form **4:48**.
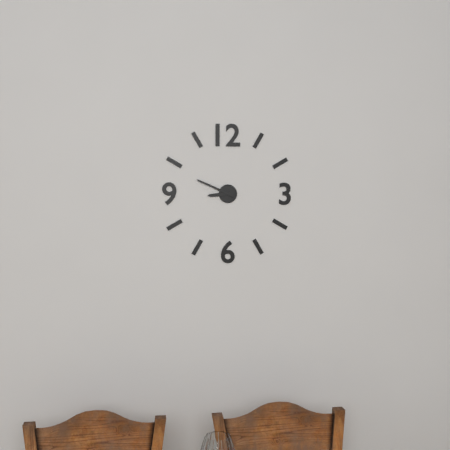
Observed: **8:49**
